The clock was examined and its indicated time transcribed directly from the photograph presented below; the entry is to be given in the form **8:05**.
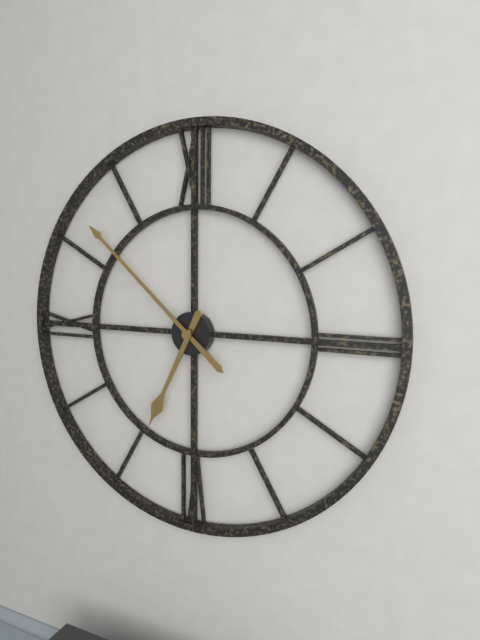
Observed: **6:52**
